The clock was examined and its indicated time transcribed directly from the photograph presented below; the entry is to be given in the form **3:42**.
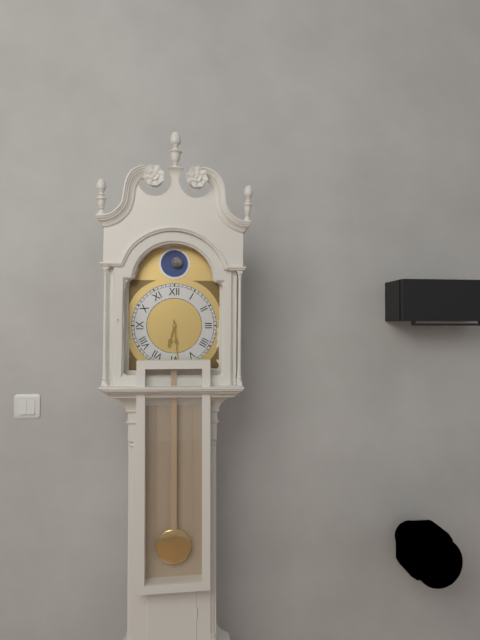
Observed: **6:29**
